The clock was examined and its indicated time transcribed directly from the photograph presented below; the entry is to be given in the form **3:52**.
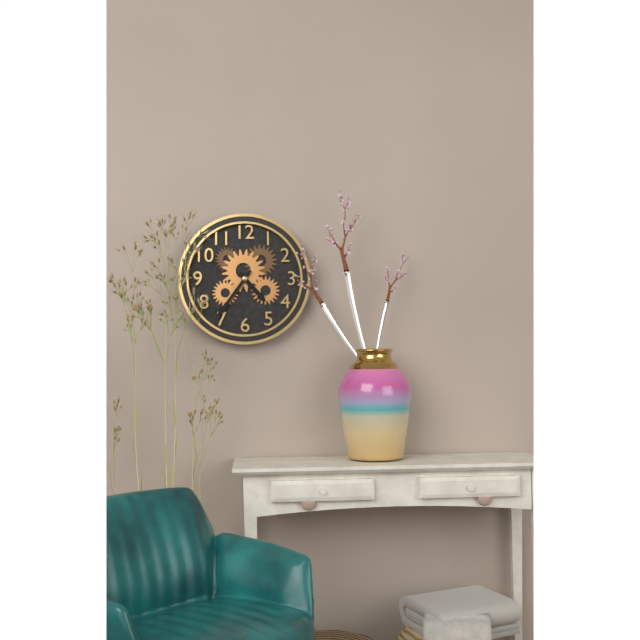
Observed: **4:36**
